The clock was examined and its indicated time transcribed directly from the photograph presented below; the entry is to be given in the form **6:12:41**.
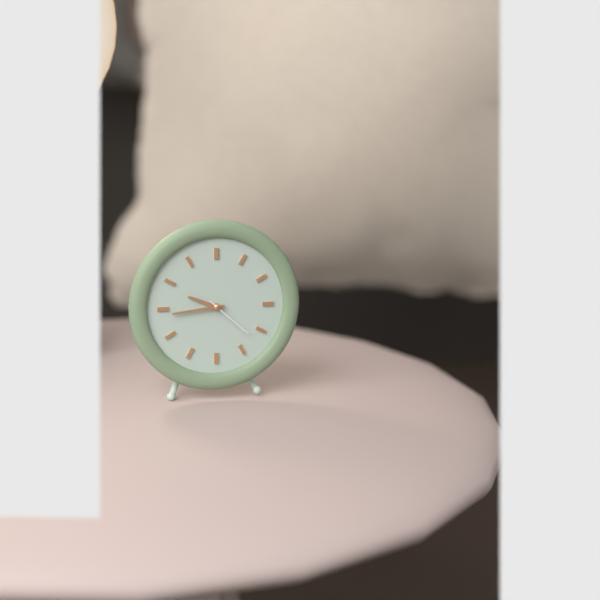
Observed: **9:44:22**
